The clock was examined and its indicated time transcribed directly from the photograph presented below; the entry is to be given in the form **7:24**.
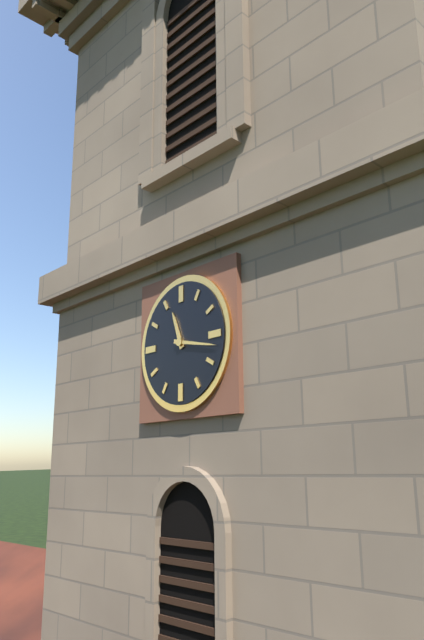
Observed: **11:17**
